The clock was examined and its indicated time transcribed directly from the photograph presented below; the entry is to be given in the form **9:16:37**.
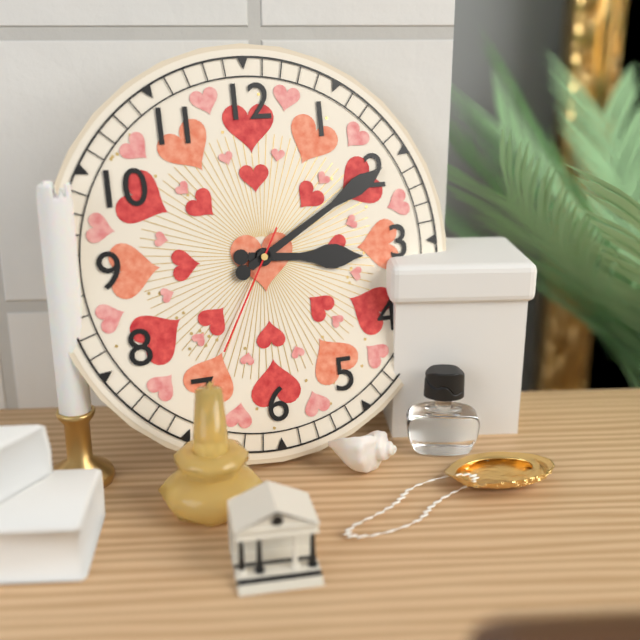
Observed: **3:10:35**
